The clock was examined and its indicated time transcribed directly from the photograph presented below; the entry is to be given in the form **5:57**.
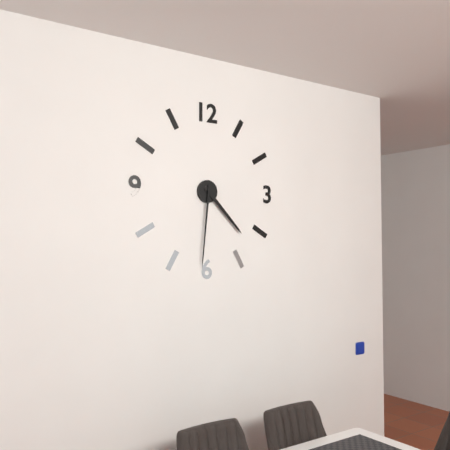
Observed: **4:31**
